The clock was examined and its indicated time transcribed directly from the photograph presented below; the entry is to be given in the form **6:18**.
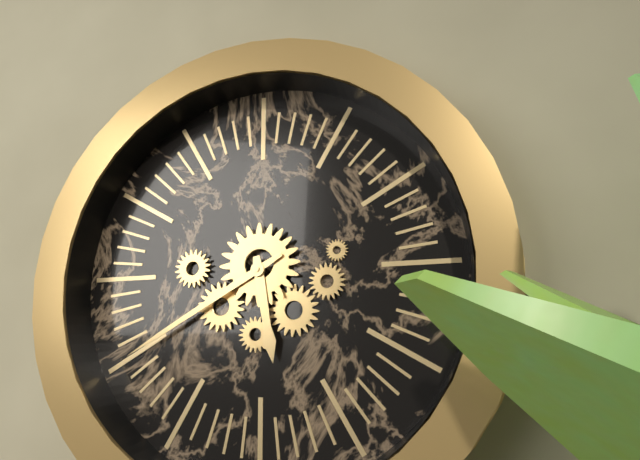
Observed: **5:40**
